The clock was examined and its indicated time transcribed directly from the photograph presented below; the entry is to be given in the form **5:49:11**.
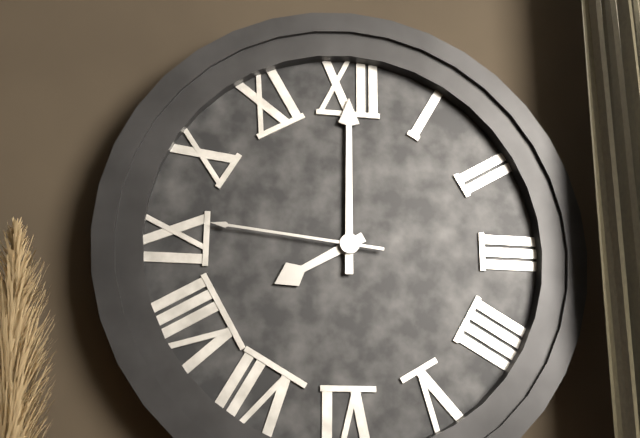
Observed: **8:00:46**
